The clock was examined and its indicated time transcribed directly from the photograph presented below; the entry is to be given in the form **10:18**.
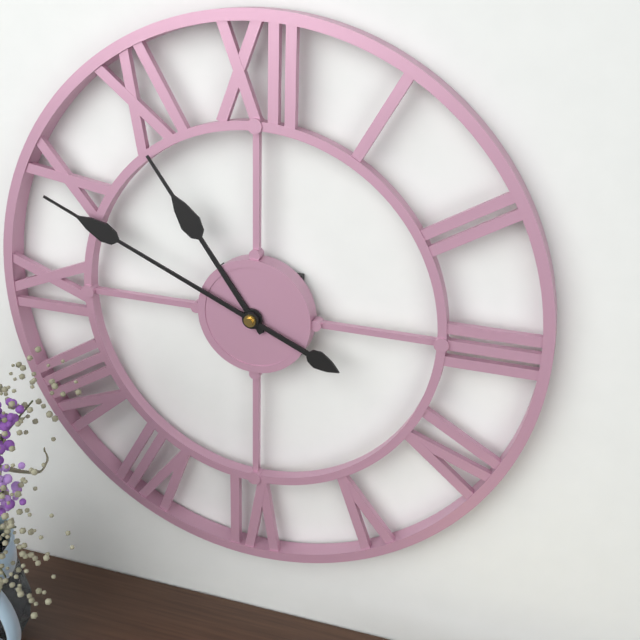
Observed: **10:49**
